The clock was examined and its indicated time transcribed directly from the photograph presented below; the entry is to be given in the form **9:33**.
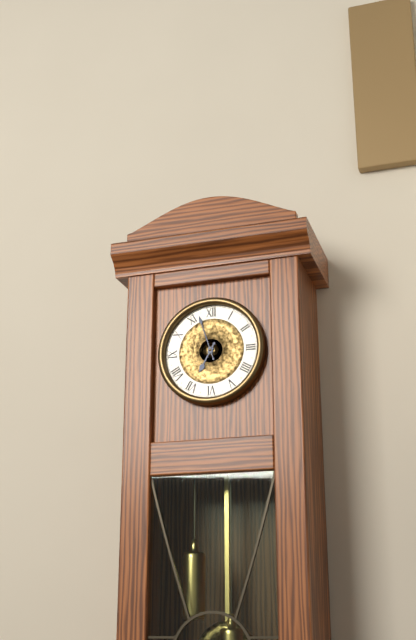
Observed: **6:57**
